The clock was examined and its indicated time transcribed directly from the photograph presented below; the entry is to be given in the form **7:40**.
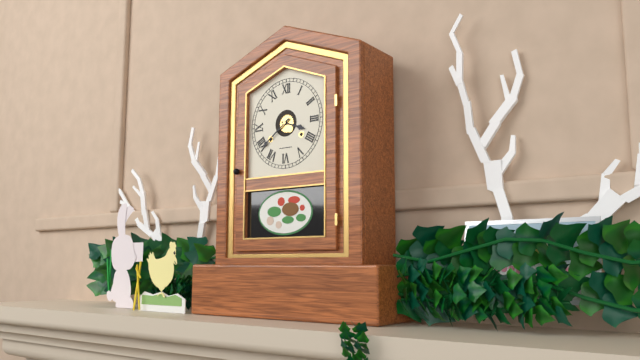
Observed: **3:39**
